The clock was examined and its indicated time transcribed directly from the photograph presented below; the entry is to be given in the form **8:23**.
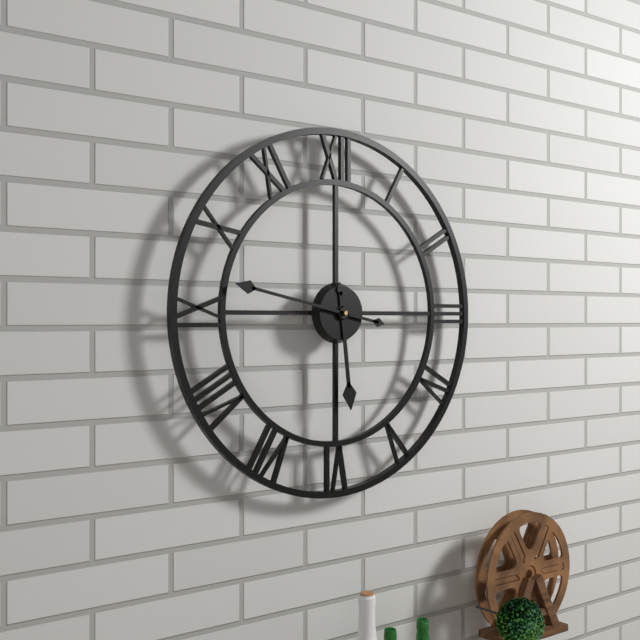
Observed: **5:47**
